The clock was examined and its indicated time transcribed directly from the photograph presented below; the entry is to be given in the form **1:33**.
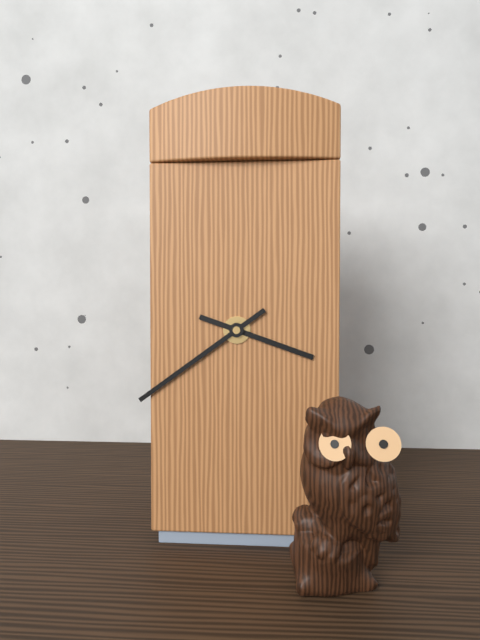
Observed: **3:39**
